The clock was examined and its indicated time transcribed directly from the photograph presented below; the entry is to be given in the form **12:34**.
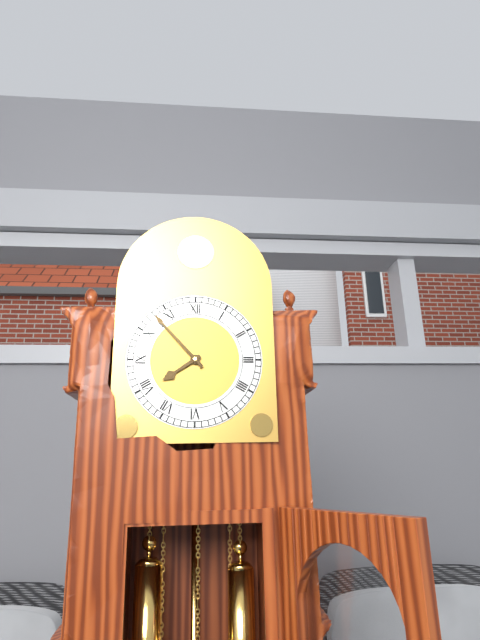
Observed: **7:53**
